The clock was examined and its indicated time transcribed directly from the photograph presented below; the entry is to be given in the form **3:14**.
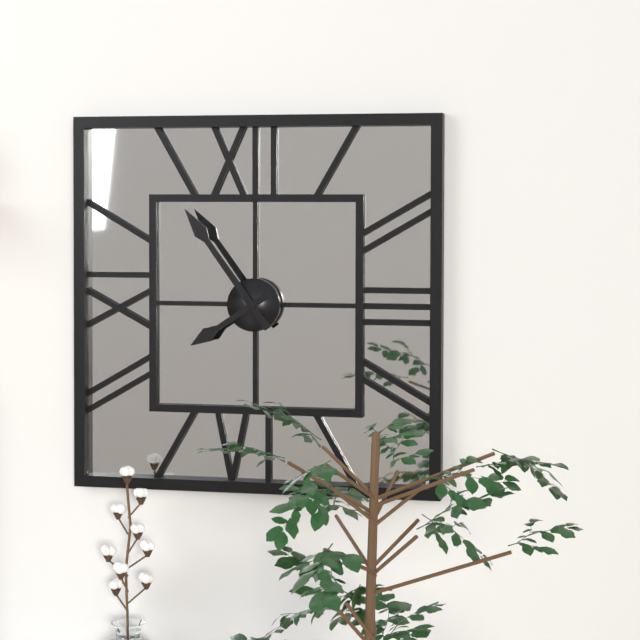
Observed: **7:54**
